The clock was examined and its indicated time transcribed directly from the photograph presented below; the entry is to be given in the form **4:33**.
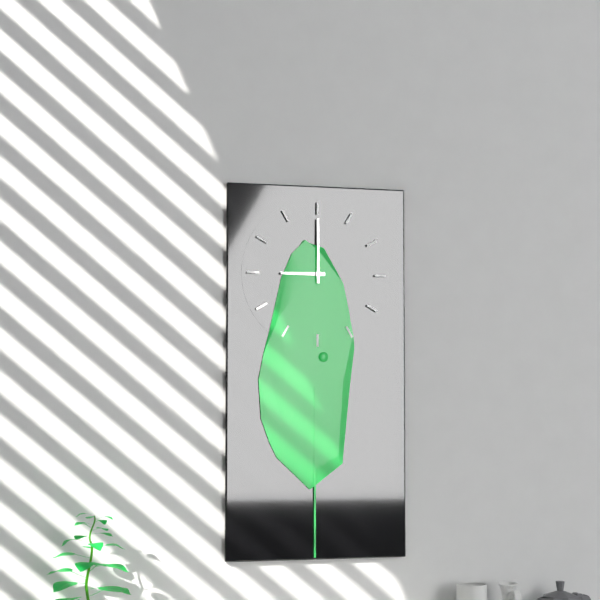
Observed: **9:00**
